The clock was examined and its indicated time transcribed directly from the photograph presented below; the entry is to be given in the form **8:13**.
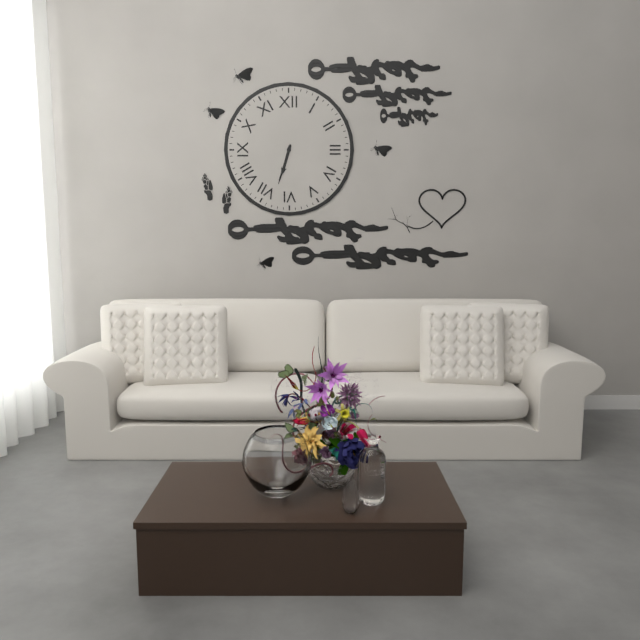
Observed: **6:33**
